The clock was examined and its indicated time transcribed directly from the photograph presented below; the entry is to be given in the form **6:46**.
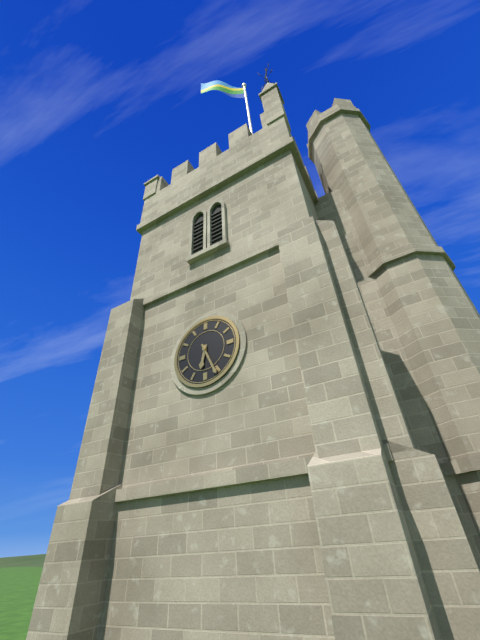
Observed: **6:26**
